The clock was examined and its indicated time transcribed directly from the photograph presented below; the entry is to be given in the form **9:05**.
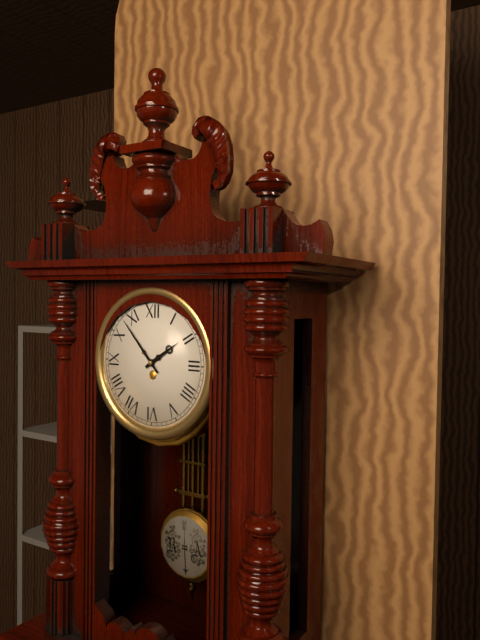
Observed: **1:53**
